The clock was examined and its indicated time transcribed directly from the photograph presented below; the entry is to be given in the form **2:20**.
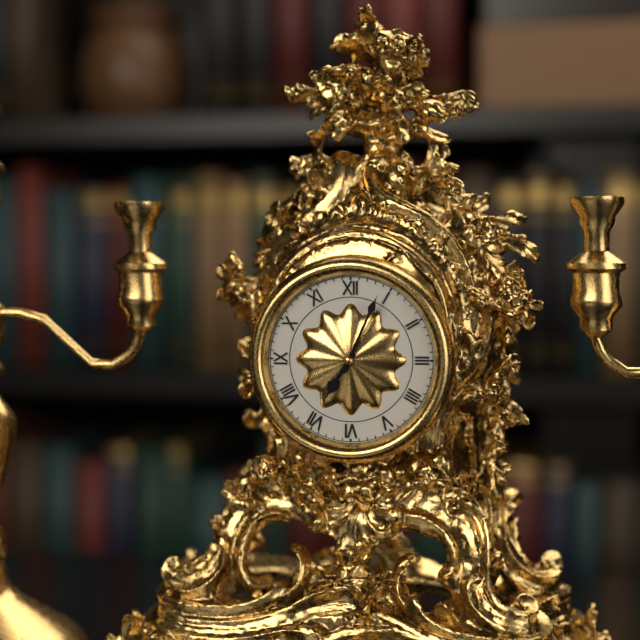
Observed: **7:04**
